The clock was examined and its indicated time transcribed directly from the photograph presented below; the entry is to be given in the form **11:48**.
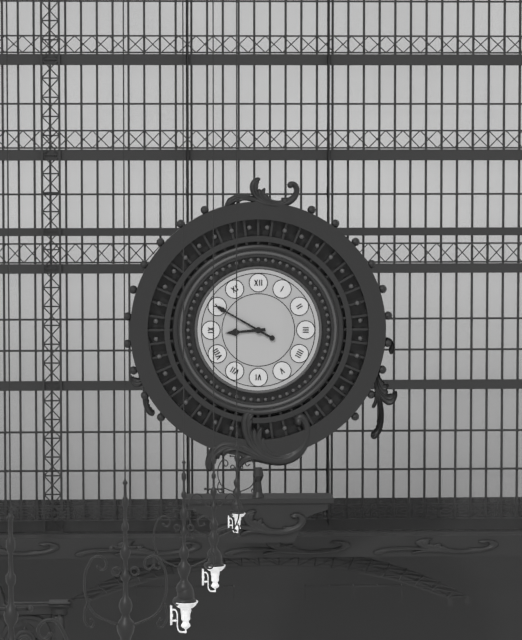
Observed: **8:50**
